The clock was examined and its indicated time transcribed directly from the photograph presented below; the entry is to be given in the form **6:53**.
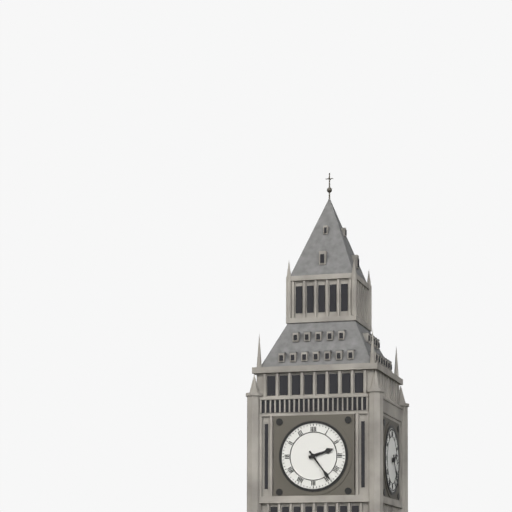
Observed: **2:24**
